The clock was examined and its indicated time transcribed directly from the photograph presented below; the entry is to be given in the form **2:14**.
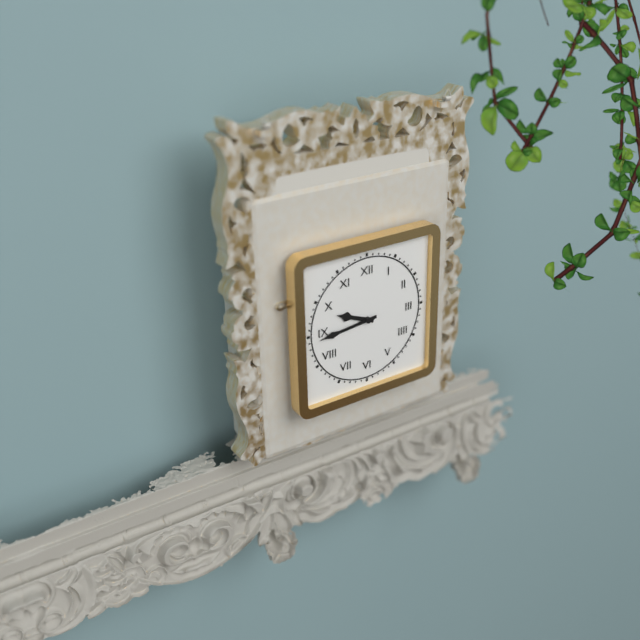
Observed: **9:44**
